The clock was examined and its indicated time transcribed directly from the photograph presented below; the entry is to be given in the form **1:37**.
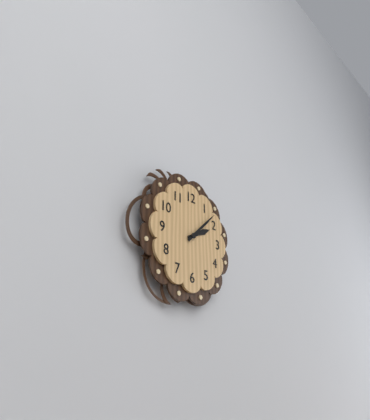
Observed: **2:08**
